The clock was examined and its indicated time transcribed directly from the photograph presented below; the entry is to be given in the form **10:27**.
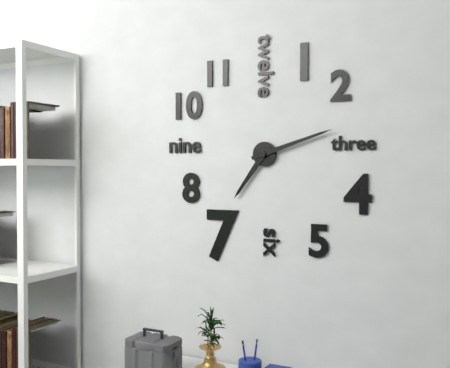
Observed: **7:12**
